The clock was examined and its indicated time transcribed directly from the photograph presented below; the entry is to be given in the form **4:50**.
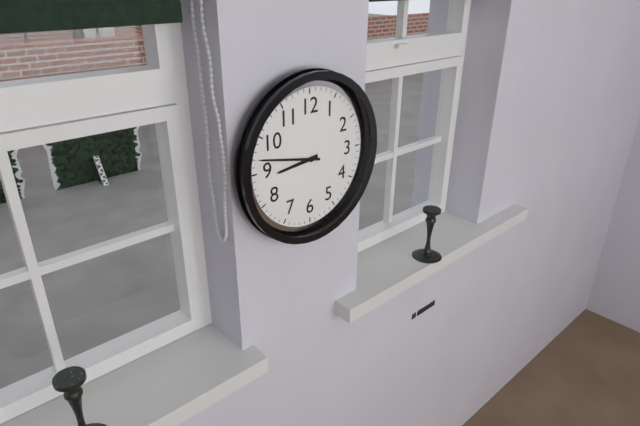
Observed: **8:47**
